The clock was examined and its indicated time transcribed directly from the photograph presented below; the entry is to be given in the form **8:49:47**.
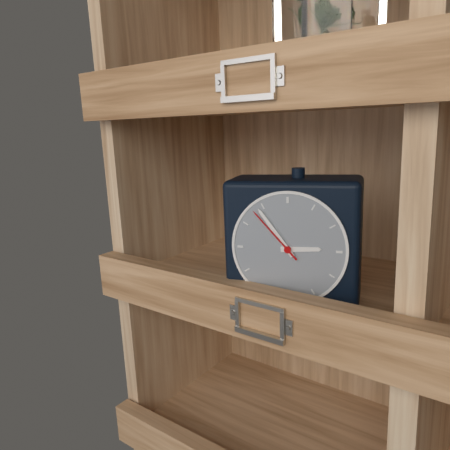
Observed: **2:54:53**
